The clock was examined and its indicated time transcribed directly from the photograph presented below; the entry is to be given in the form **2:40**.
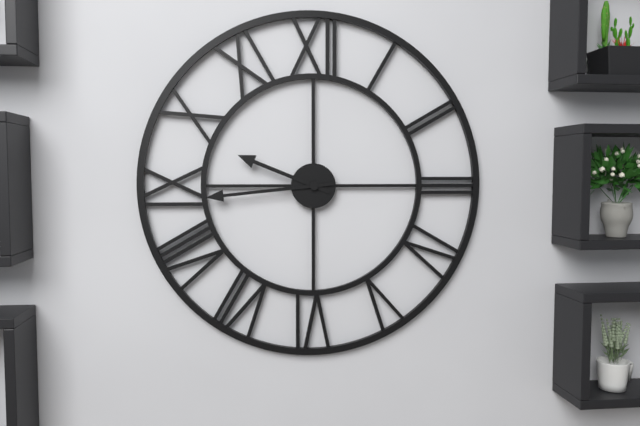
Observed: **9:44**
